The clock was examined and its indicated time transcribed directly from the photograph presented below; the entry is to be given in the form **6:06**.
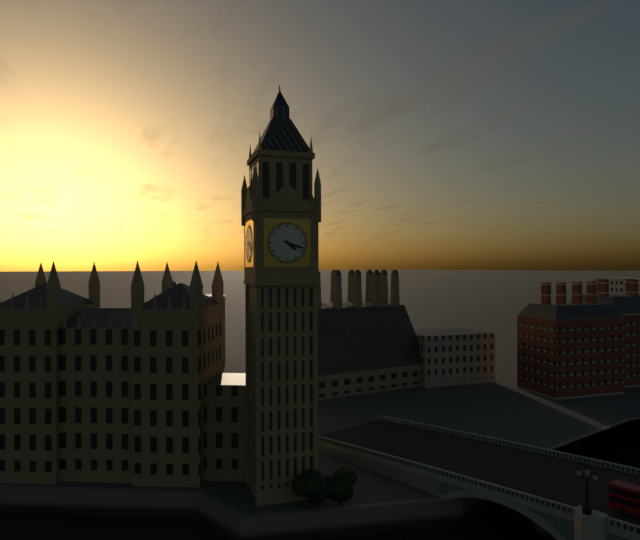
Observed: **4:18**
